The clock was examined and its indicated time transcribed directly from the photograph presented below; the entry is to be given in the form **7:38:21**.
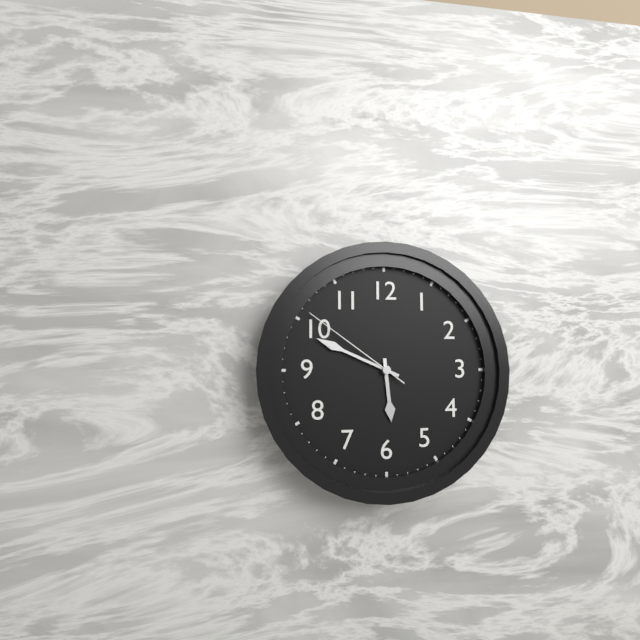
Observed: **5:49:51**
